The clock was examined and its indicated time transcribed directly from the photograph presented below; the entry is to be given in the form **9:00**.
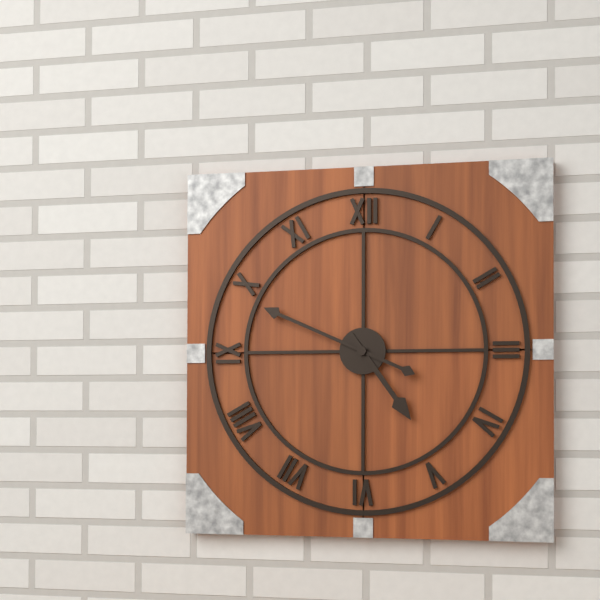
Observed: **4:49**
